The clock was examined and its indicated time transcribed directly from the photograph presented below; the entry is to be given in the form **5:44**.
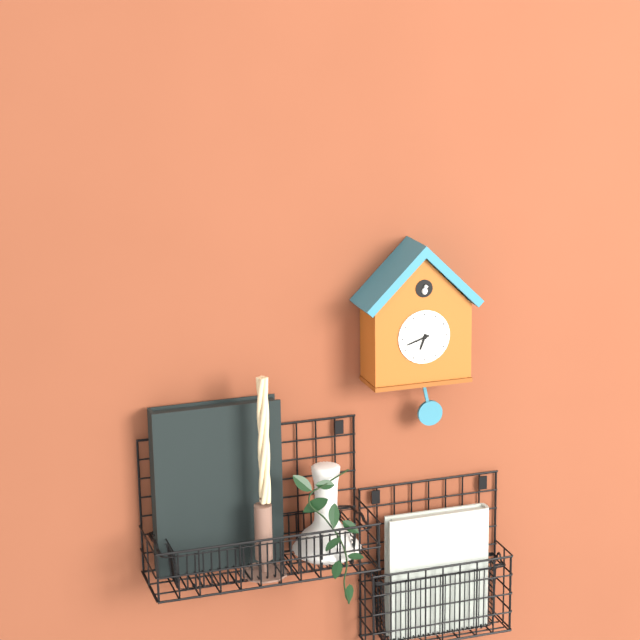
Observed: **6:42**
